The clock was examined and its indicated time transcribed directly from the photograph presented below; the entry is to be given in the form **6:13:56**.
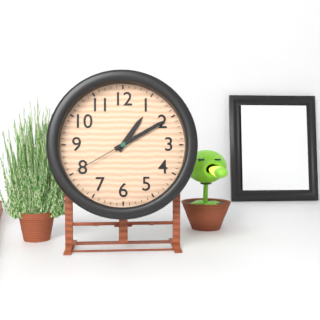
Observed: **1:10:40**
